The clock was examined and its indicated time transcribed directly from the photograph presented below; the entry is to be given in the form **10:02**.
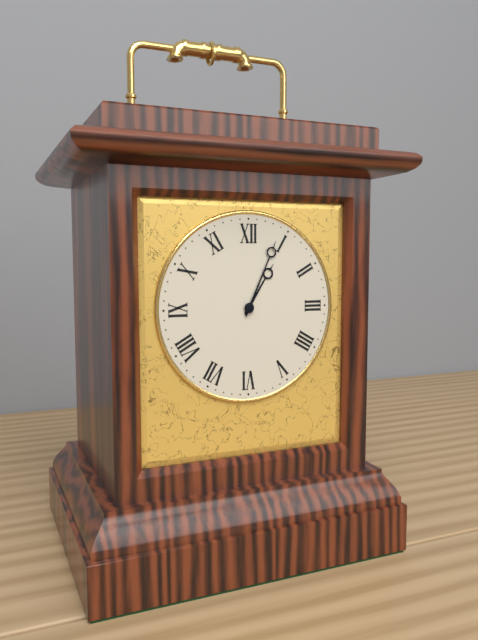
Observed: **1:04**
